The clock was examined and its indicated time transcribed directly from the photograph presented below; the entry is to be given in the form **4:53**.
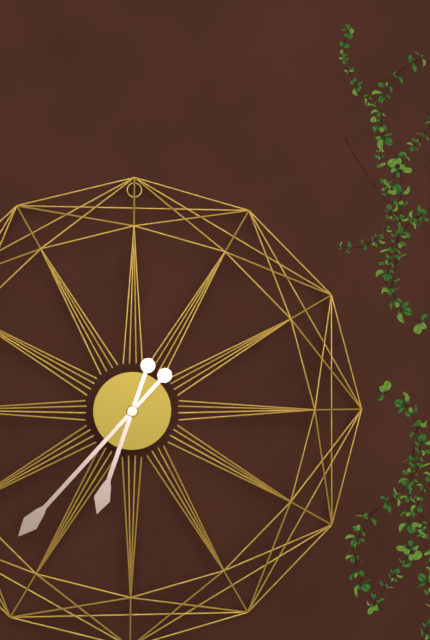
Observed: **6:37**
